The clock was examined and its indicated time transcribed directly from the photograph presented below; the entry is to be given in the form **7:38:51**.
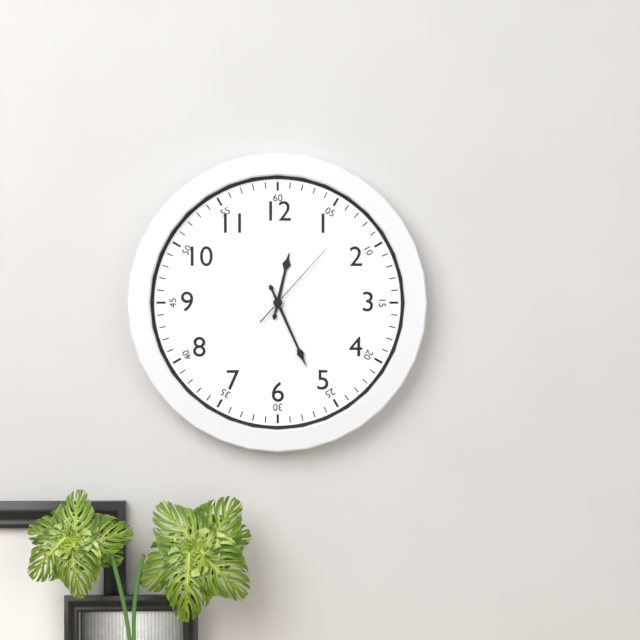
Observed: **12:26:07**
